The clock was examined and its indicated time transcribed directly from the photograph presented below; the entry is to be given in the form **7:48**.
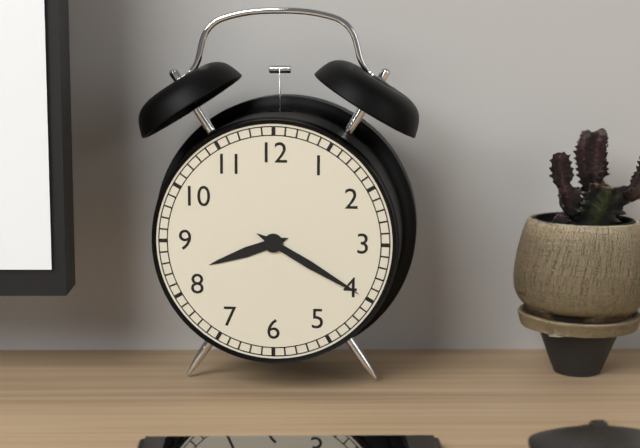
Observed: **8:20**
